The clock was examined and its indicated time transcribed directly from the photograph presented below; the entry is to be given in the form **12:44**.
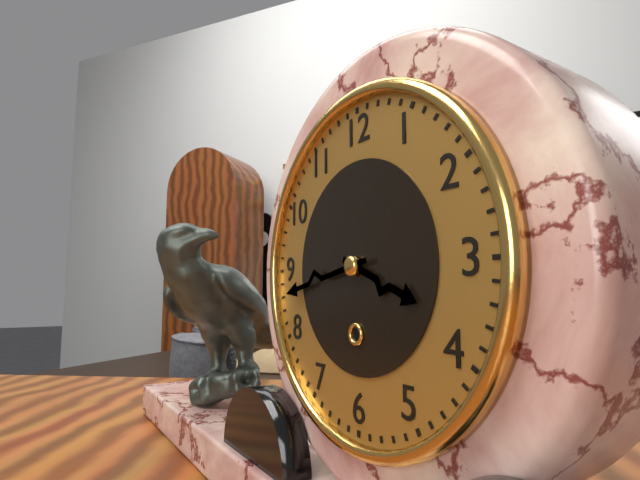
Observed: **3:43**
